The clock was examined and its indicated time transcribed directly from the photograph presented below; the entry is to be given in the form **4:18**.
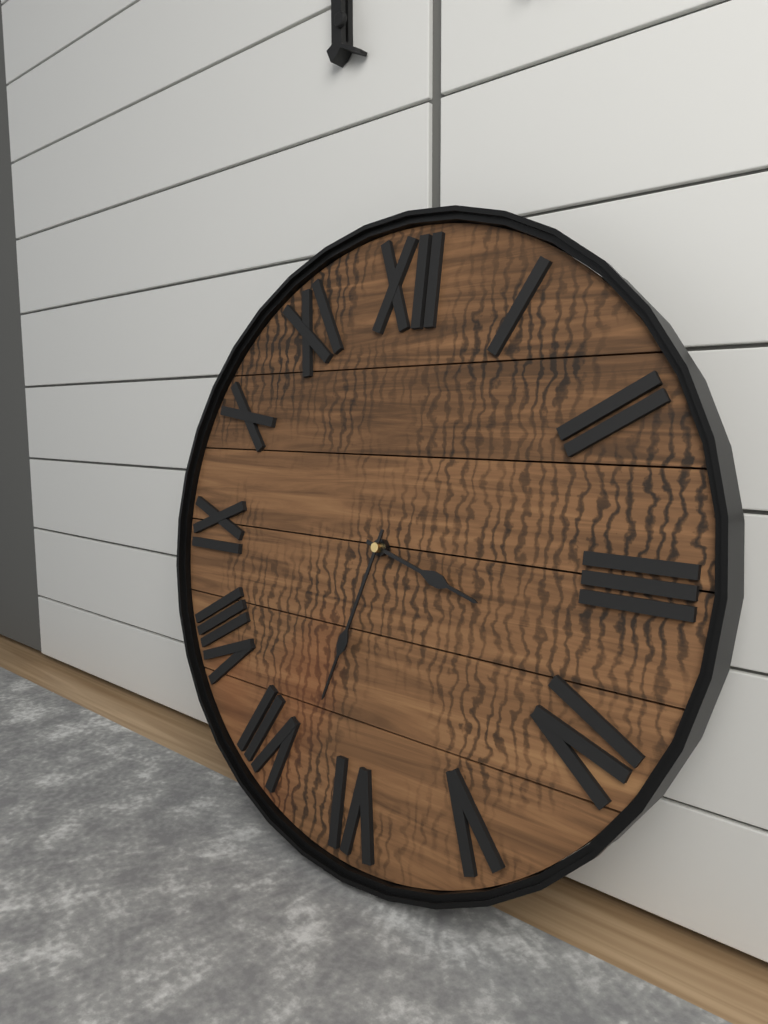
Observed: **3:33**
